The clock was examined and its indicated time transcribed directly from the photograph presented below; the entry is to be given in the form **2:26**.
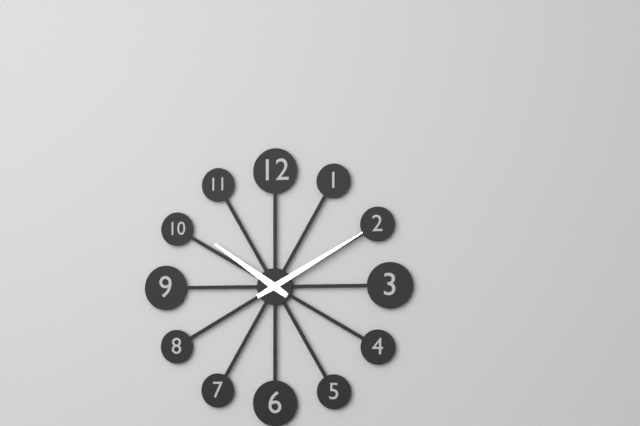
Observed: **10:10**
